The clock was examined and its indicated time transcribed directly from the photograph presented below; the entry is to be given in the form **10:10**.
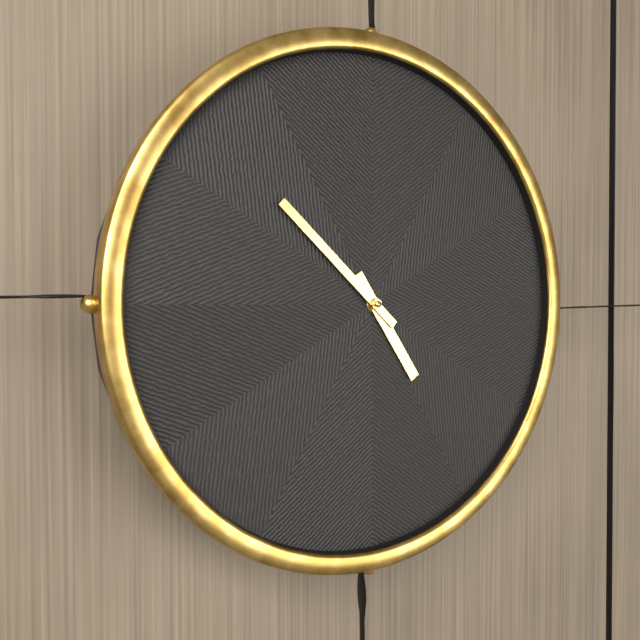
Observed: **4:52**
